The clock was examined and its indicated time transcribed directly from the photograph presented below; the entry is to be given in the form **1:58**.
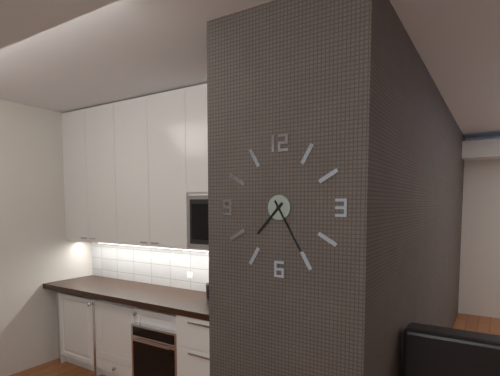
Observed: **7:25**
